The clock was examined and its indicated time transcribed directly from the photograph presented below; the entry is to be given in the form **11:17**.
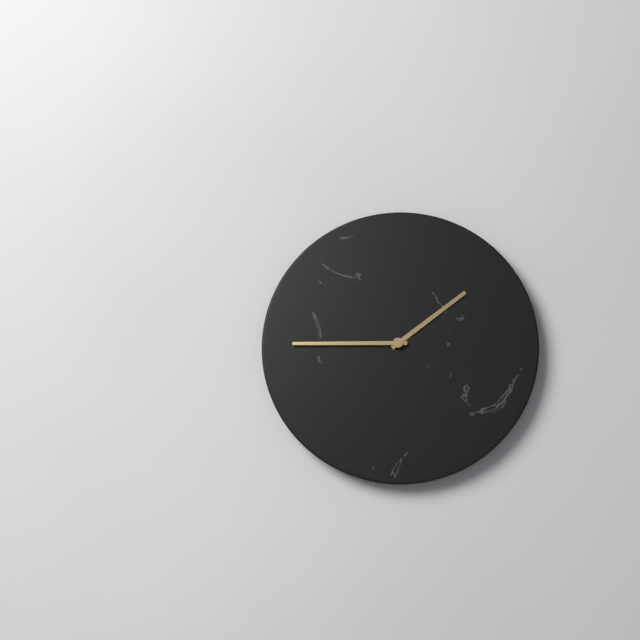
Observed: **1:45**
